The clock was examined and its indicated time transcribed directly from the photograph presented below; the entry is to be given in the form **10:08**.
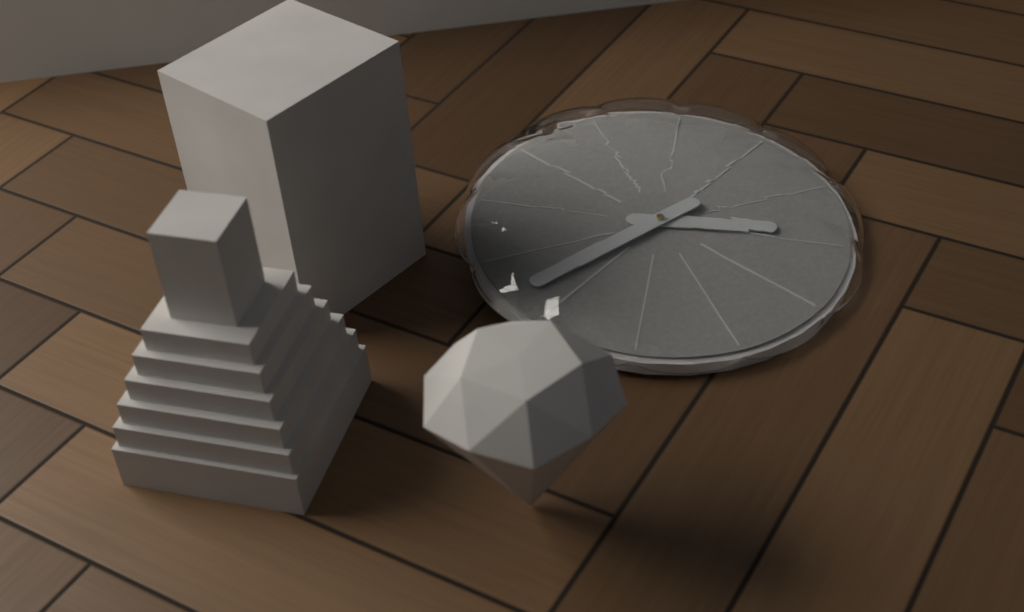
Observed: **4:47**
